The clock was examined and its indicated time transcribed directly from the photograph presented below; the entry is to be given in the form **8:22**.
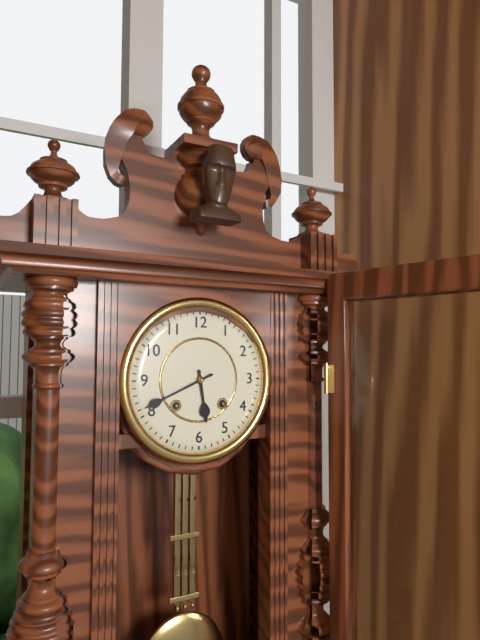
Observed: **5:41**
